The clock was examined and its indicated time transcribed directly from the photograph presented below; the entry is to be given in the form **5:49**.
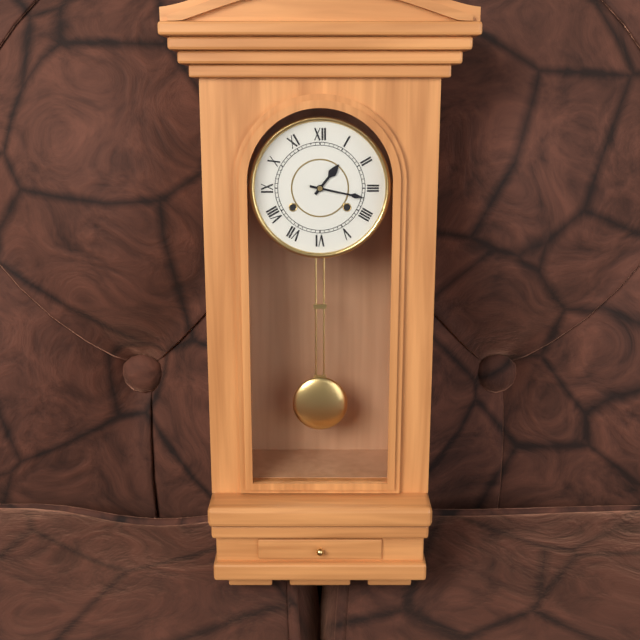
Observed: **1:17**
